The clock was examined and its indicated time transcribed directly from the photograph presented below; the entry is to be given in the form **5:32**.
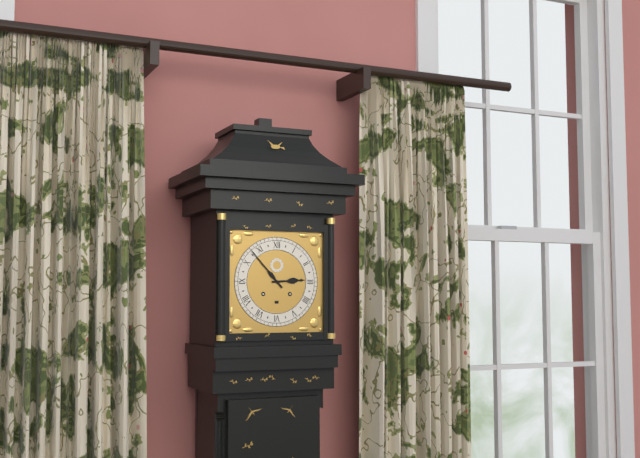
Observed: **2:53**
